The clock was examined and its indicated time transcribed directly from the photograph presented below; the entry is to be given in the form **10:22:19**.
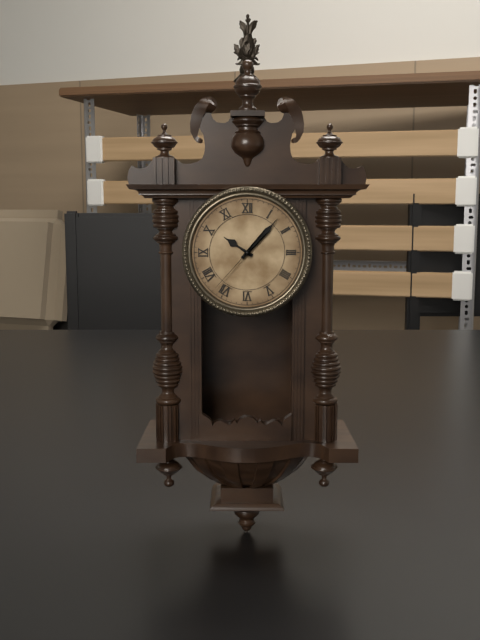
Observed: **10:07:37**
